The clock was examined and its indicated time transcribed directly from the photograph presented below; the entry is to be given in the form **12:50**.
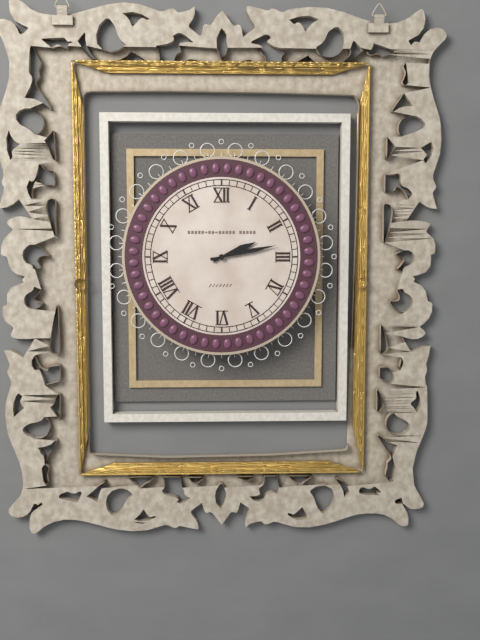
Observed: **2:13**
